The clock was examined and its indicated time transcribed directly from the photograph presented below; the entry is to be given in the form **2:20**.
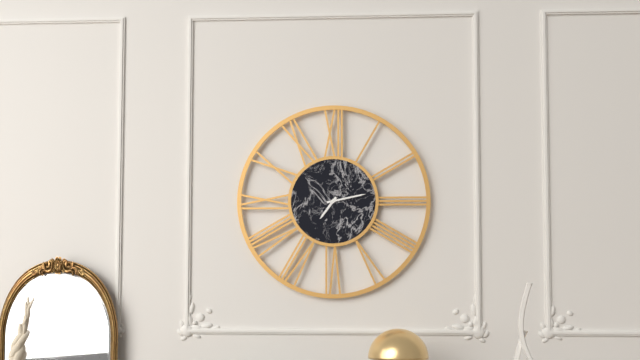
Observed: **7:13**
